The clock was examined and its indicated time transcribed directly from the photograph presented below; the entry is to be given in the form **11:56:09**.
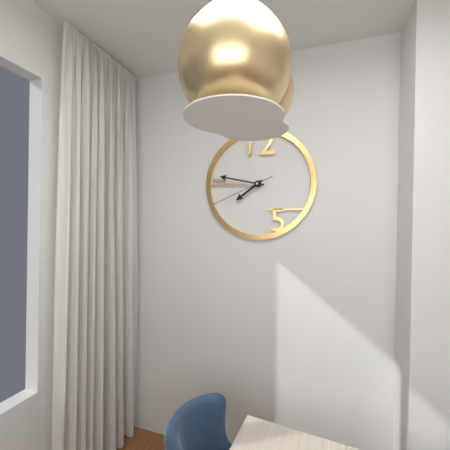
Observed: **7:47:41**
